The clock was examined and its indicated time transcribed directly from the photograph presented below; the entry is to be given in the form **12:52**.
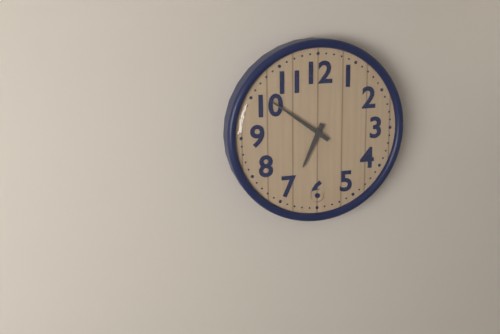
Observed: **6:51**
